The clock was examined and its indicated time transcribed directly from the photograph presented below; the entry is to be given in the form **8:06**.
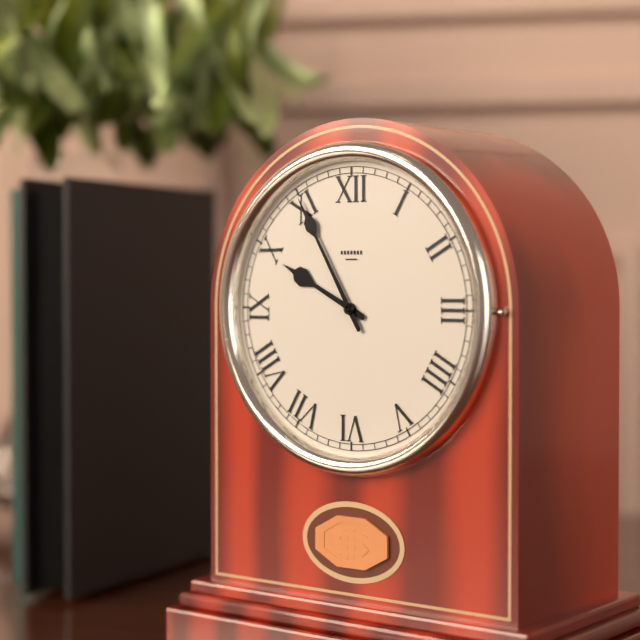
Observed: **9:55**
